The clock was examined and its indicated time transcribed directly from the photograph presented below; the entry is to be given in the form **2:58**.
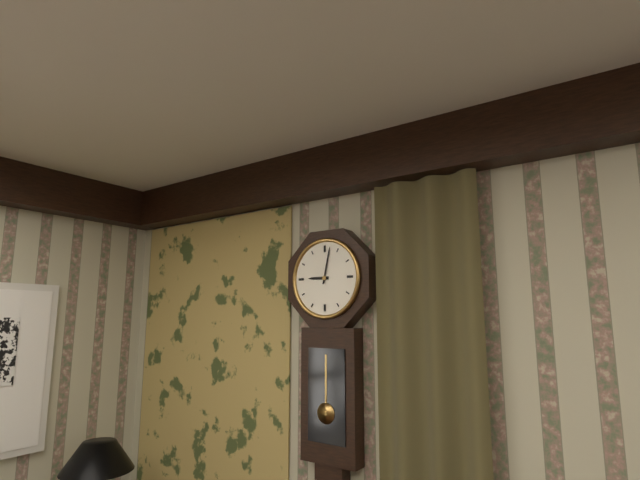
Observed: **9:02**
